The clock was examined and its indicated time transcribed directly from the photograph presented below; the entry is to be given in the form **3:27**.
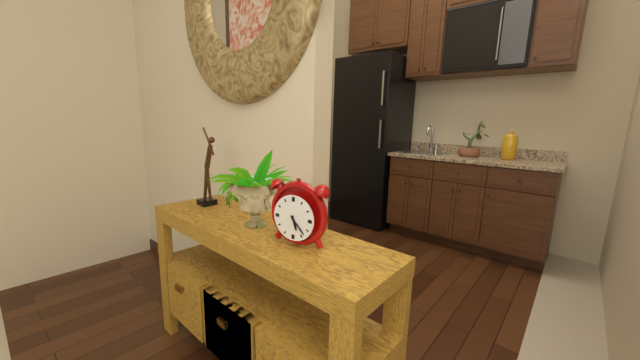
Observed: **5:23**
